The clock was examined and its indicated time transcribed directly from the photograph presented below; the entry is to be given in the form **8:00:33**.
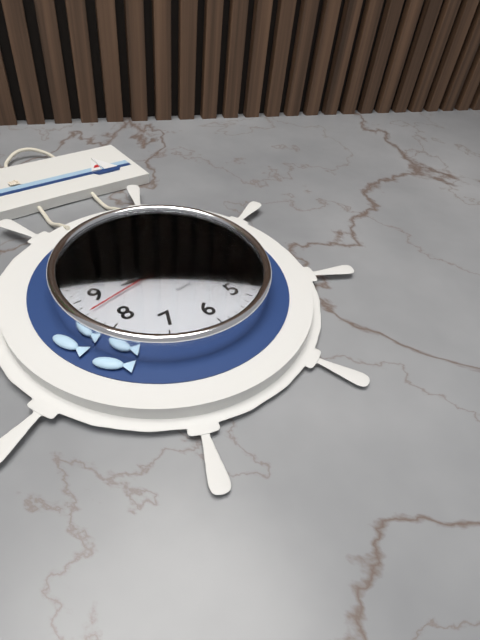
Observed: **8:55:43**
